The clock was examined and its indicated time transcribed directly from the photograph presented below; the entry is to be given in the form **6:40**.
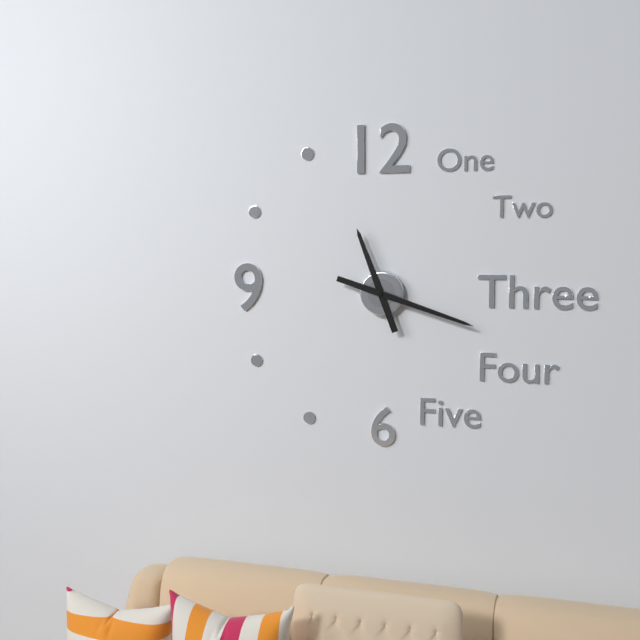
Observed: **11:18**
